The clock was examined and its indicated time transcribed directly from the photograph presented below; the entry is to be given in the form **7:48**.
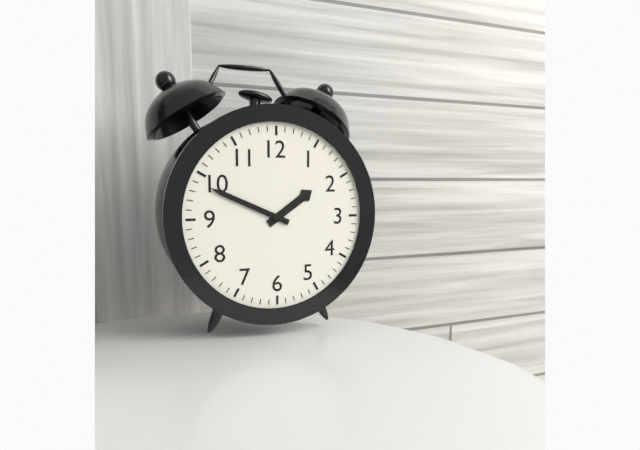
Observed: **1:49**
